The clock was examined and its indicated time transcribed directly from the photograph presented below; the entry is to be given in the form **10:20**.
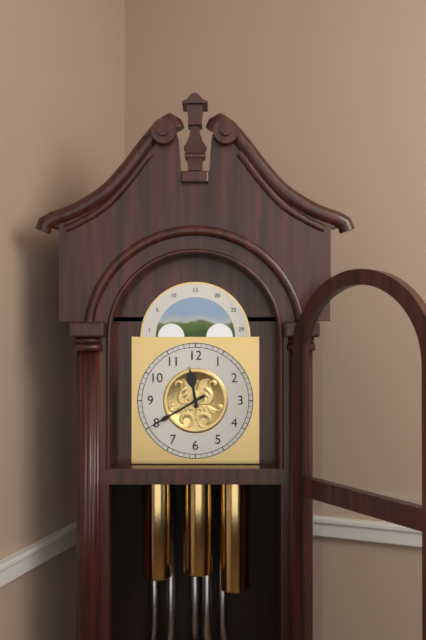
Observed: **11:40**
